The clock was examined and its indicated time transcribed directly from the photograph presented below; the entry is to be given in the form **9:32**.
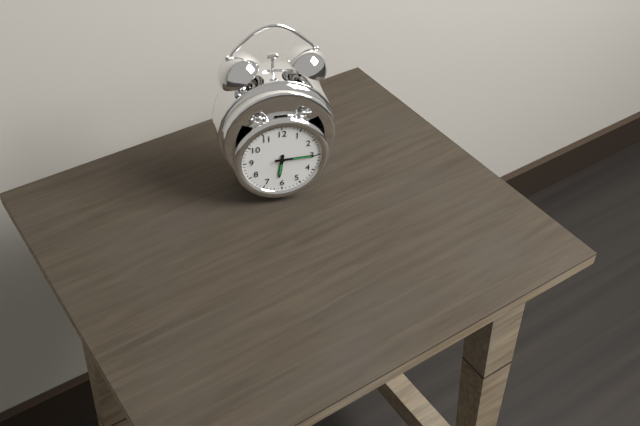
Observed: **6:15**
